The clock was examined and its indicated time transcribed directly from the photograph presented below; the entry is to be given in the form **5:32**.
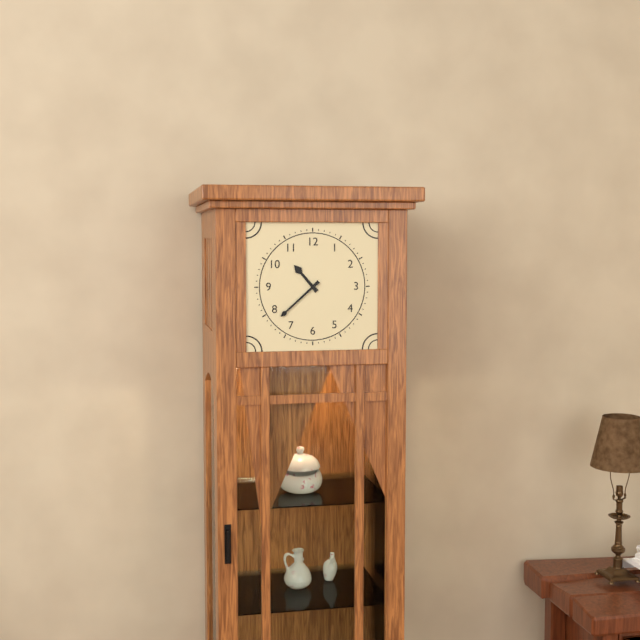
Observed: **10:38**
